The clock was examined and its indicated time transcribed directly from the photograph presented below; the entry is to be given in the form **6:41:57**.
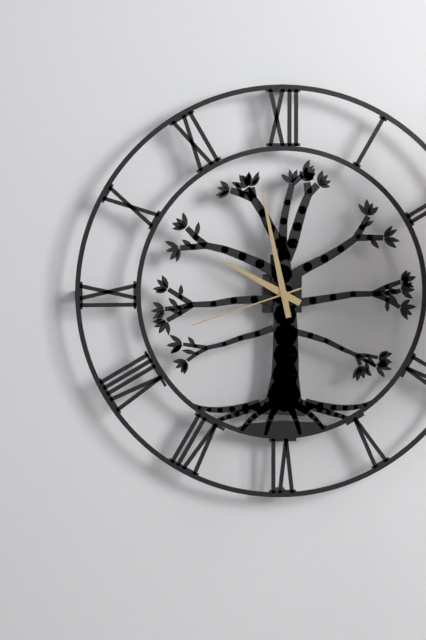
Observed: **9:58:42**
